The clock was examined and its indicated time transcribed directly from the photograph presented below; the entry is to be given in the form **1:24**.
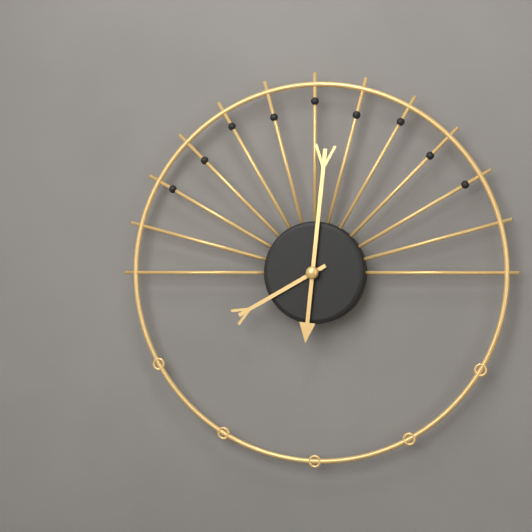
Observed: **8:01**
